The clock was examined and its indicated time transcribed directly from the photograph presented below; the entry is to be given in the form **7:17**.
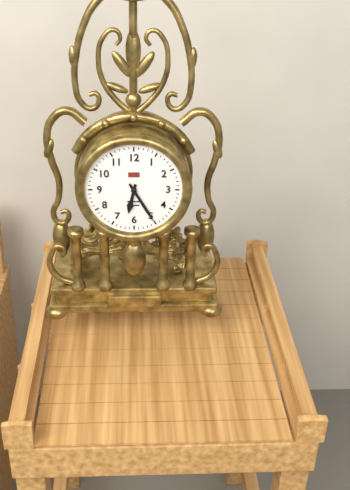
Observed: **6:25**
